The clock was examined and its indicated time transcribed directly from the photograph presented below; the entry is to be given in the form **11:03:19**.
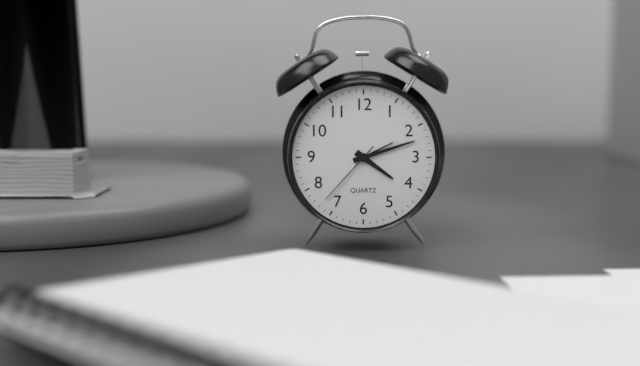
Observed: **4:12:37**
